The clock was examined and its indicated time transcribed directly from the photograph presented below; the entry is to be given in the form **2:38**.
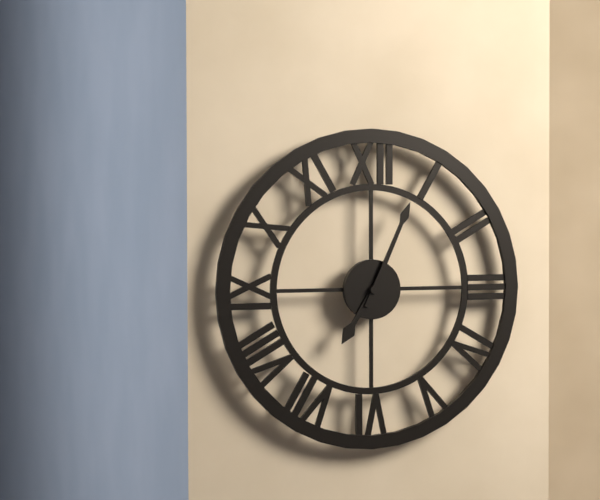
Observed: **7:04**
